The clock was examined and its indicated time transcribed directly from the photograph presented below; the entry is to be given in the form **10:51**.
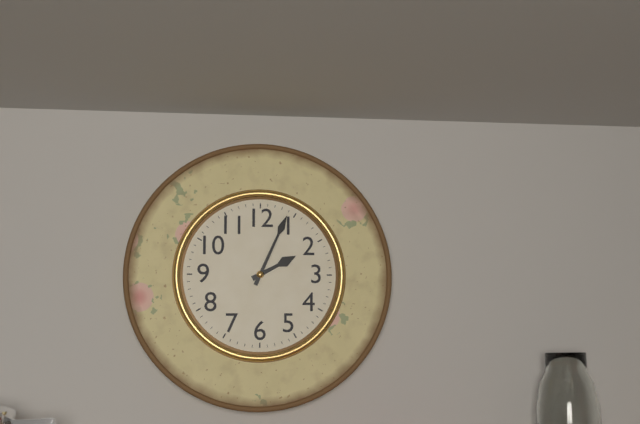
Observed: **2:04**
